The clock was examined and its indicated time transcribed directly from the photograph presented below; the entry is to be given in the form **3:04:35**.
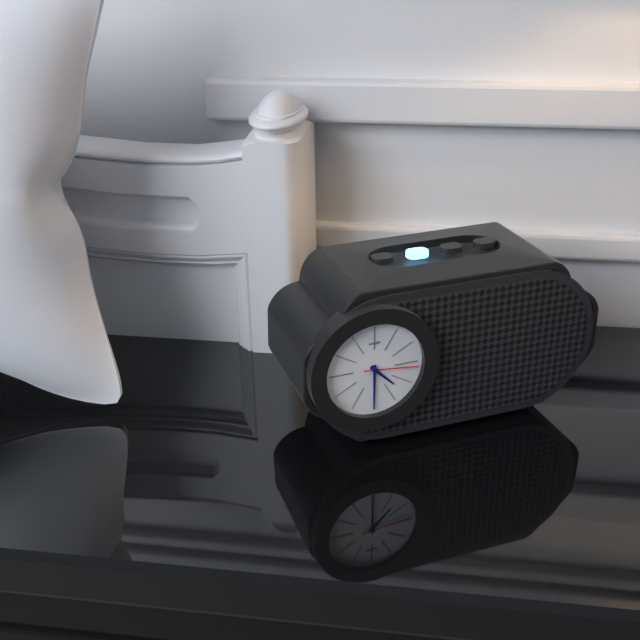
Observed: **4:30:16**
